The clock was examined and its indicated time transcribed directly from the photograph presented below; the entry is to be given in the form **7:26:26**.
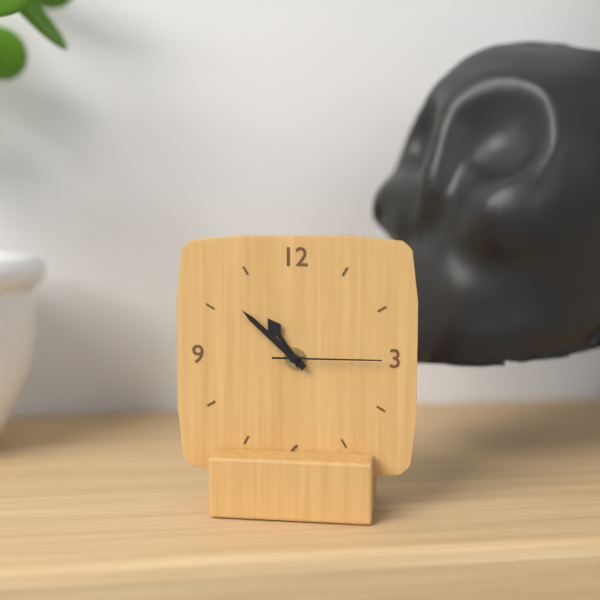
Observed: **10:52:15**
